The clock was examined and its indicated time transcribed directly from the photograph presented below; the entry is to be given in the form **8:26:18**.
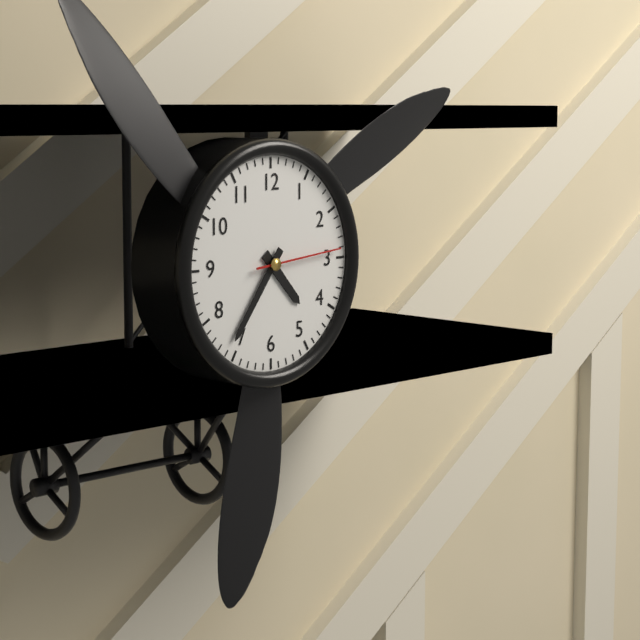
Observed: **4:36:14**
